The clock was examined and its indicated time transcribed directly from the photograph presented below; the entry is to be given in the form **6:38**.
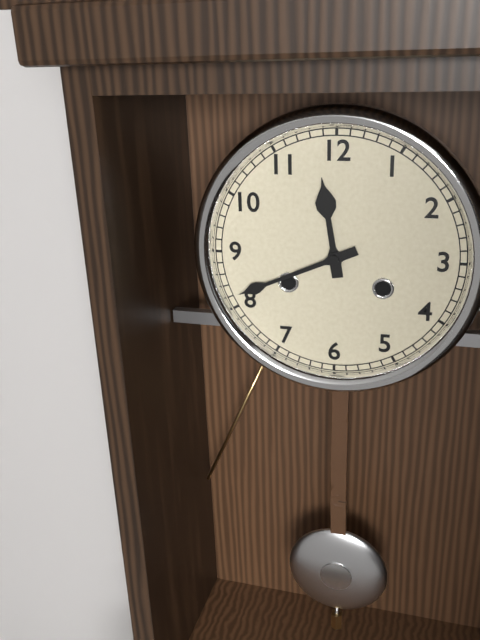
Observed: **11:41**
